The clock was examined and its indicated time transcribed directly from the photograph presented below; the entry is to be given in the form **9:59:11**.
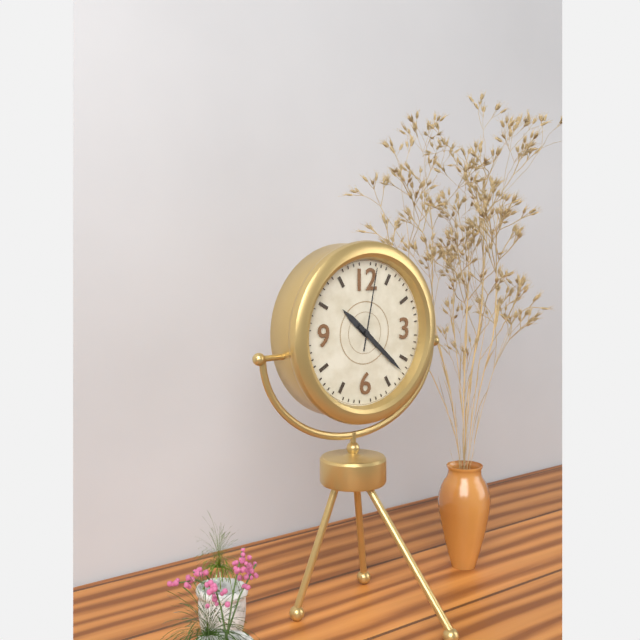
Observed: **10:22:02**
